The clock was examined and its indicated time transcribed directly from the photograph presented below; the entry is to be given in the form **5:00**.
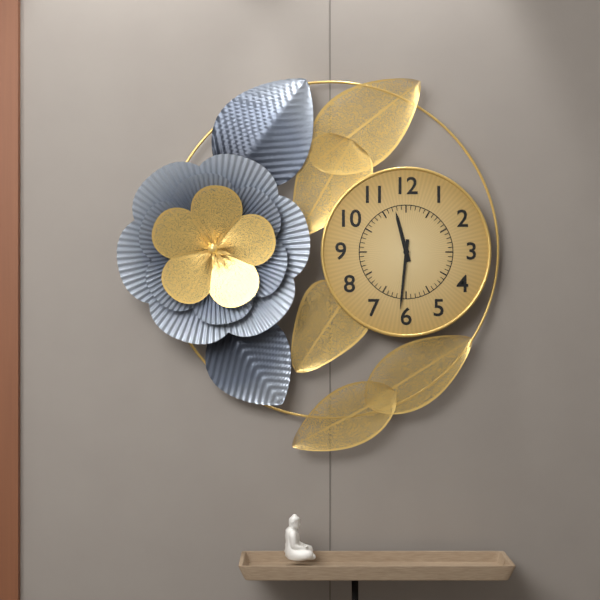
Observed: **11:31**
